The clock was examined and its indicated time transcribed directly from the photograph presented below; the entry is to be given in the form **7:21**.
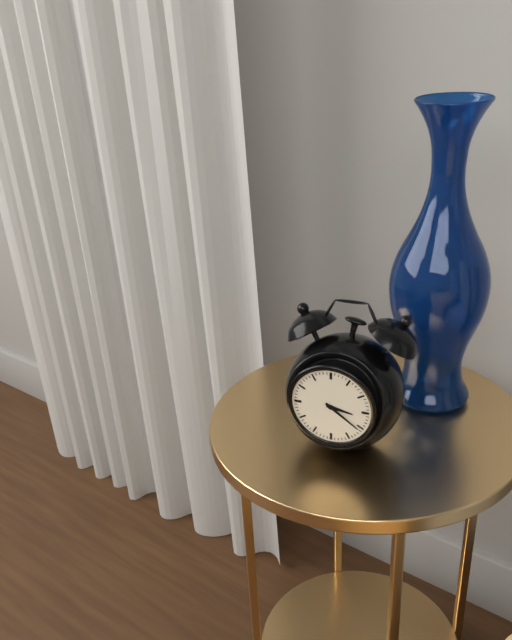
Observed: **3:21**
